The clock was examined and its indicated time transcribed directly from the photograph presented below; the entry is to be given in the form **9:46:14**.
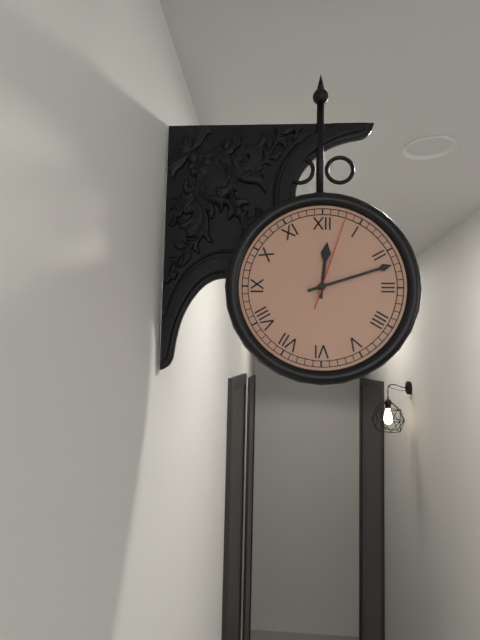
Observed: **12:12:03**
